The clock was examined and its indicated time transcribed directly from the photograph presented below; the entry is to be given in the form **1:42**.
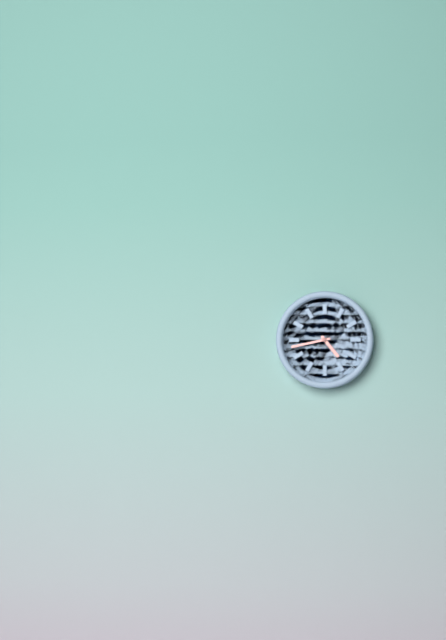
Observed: **4:43**
